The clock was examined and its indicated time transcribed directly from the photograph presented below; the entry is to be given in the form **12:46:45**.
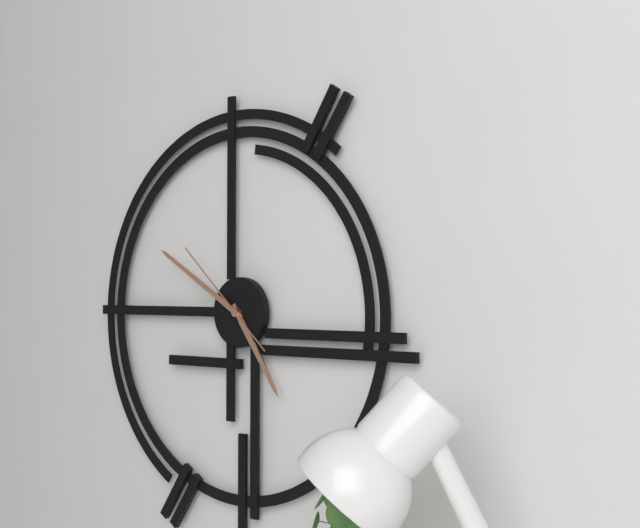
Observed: **4:50:52**
